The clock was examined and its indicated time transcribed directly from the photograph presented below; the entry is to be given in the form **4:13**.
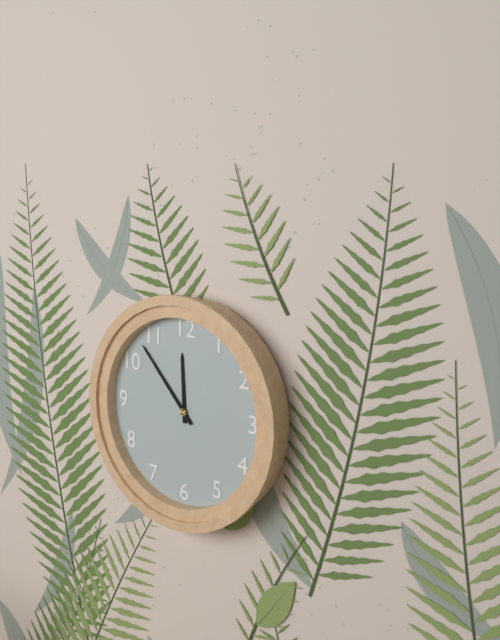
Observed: **11:53**
